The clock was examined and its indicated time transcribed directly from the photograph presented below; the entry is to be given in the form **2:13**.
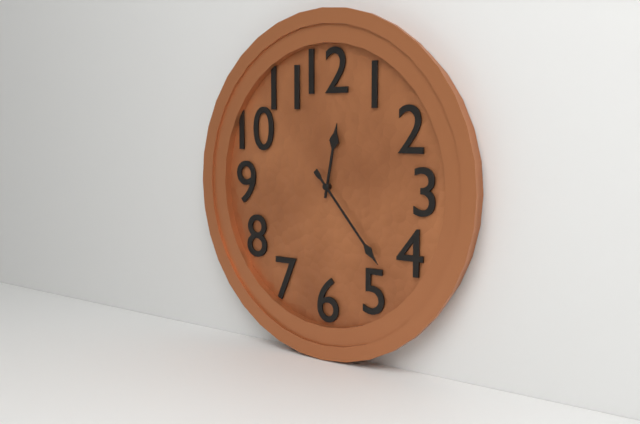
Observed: **12:23**
